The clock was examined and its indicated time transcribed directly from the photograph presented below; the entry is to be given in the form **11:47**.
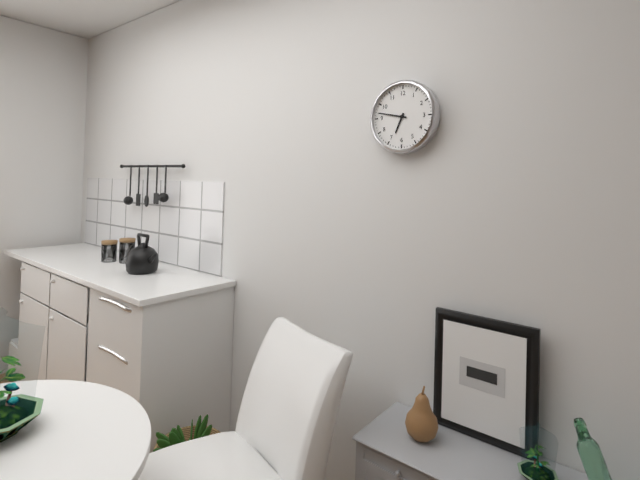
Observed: **6:47**
